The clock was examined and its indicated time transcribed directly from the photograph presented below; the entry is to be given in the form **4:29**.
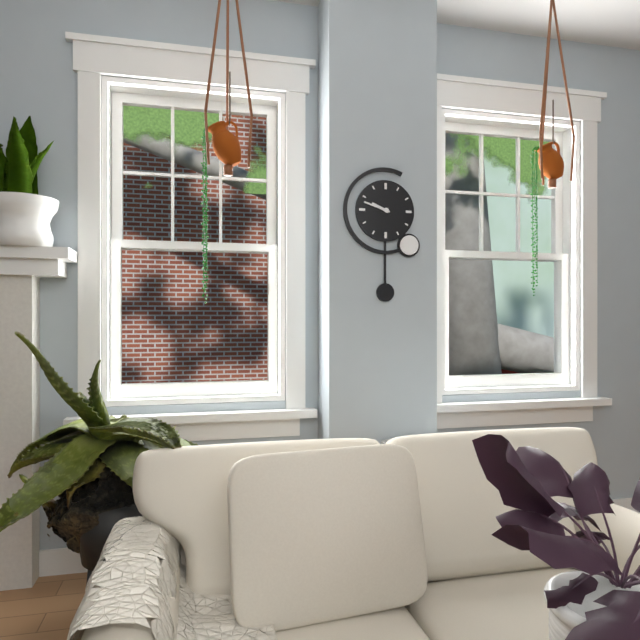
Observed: **9:48**
